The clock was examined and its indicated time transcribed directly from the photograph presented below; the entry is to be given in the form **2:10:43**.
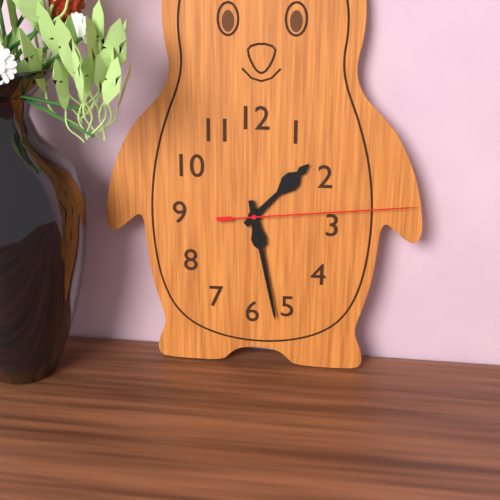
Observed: **1:28:14**
